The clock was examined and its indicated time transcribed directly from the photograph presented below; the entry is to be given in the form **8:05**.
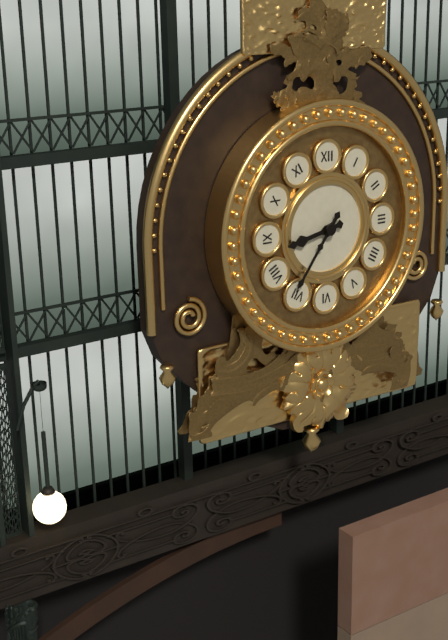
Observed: **8:36**
